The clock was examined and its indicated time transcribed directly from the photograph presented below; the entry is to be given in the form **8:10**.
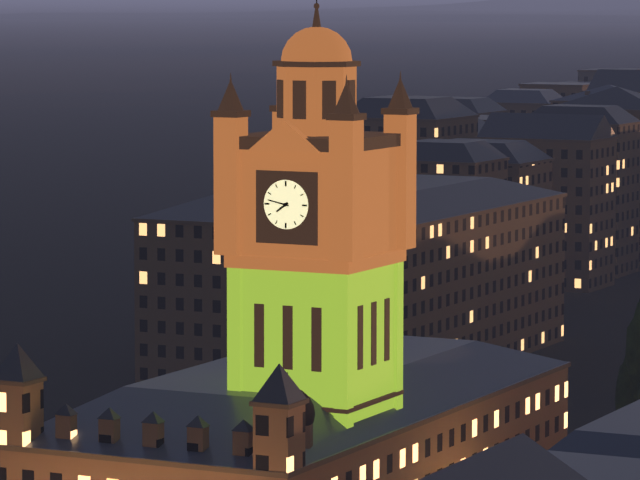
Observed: **7:47**
